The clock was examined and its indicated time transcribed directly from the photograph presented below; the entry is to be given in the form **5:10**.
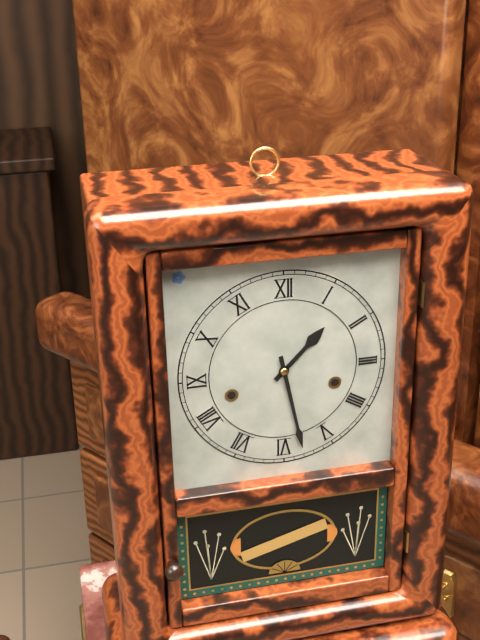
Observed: **1:28**
